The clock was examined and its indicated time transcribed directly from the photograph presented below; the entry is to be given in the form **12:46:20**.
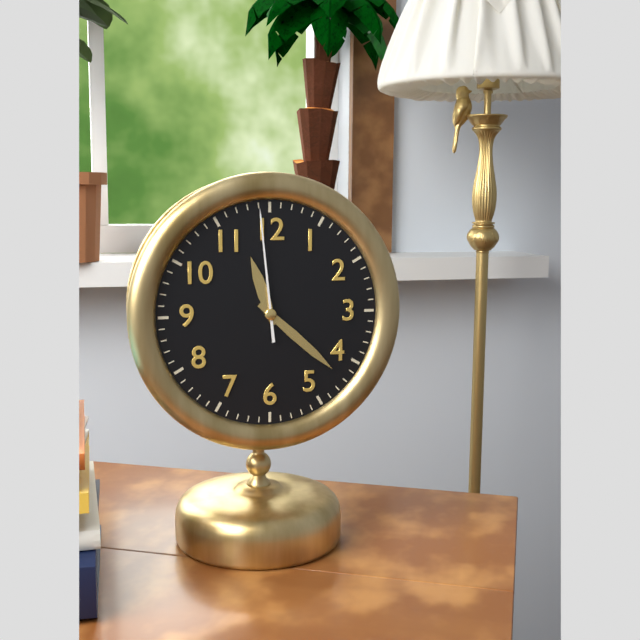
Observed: **11:22:59**
